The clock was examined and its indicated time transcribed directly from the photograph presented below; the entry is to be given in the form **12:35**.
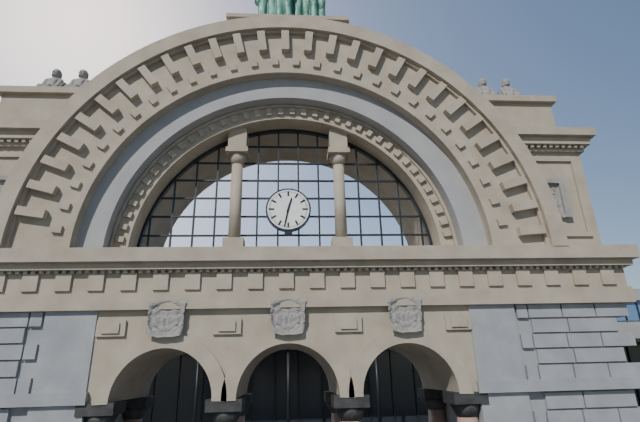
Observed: **12:32**
